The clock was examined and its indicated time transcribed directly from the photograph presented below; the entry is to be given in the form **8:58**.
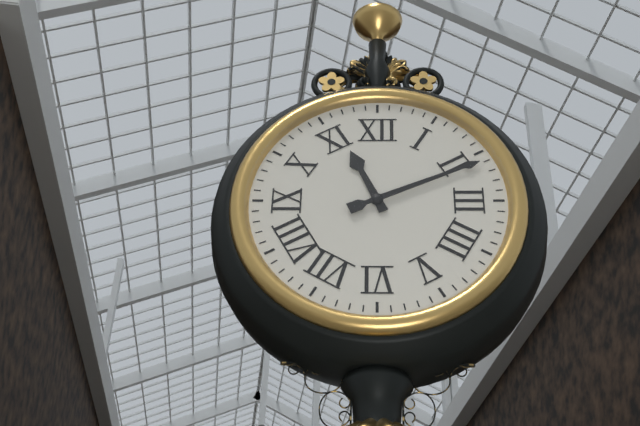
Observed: **11:11**
